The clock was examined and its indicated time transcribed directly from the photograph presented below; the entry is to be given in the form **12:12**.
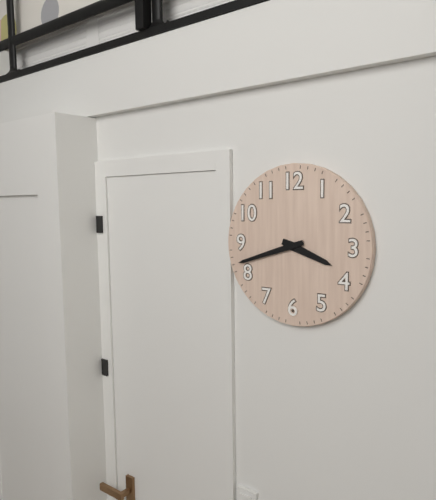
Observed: **3:42**
